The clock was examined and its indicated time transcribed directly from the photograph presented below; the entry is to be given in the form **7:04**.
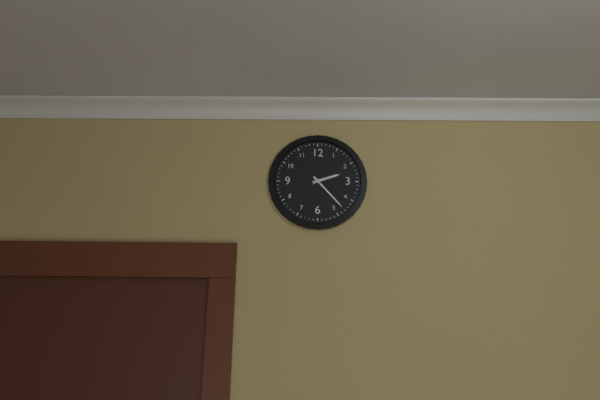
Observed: **2:23**
